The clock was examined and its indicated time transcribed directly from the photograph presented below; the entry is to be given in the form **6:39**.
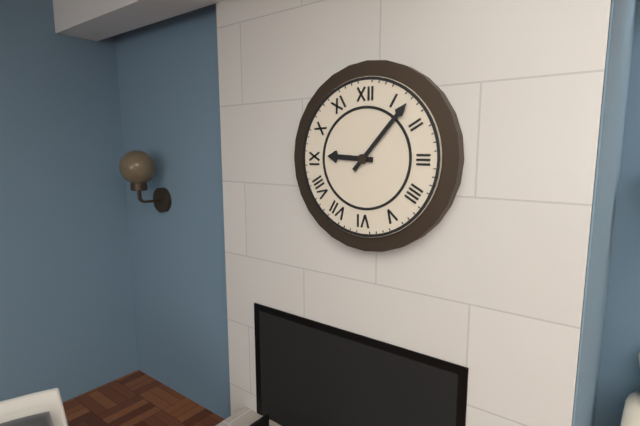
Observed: **9:07**
